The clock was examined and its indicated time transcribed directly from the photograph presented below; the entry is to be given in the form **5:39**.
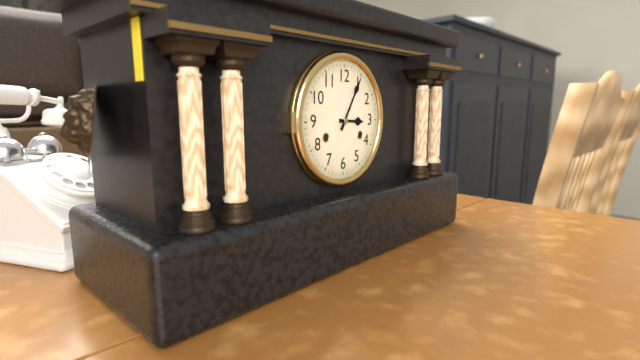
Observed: **3:05**
